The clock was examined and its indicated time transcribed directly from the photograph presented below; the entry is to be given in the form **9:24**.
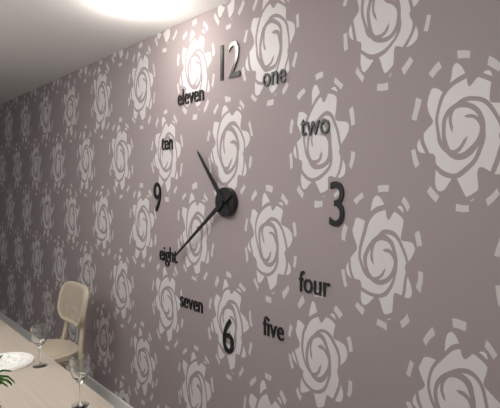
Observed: **10:39**
